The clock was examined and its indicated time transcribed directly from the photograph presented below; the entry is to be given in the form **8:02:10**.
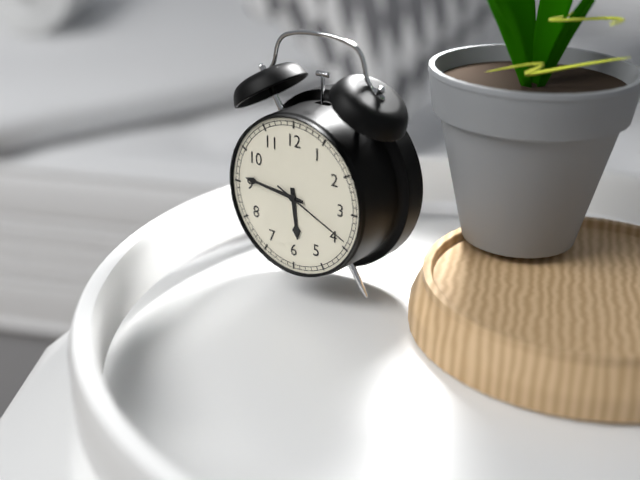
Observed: **5:46:19**
